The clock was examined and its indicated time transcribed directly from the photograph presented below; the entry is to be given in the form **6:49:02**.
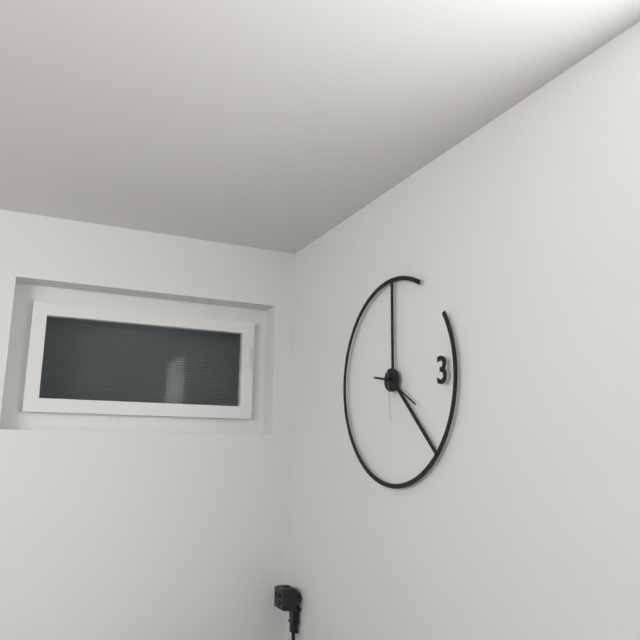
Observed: **9:20:29**
